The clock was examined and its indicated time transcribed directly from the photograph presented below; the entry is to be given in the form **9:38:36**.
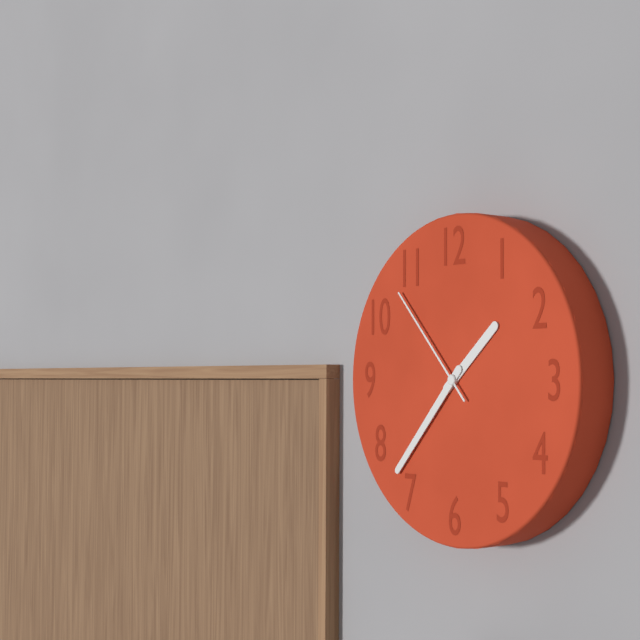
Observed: **1:37:53**
